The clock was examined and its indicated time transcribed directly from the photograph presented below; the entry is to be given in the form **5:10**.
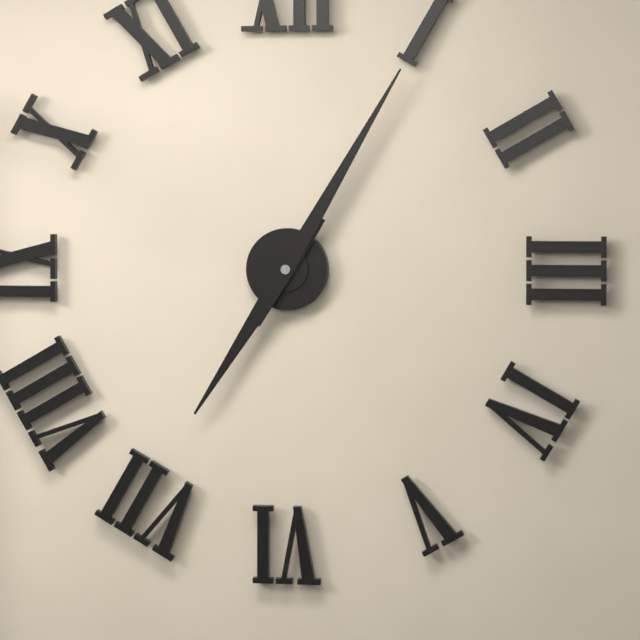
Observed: **7:05**
